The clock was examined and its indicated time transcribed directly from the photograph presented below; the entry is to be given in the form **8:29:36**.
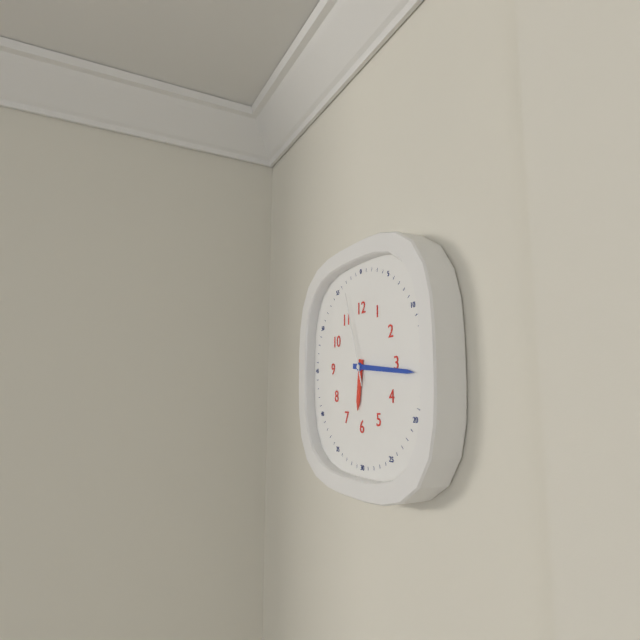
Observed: **6:16:57**
